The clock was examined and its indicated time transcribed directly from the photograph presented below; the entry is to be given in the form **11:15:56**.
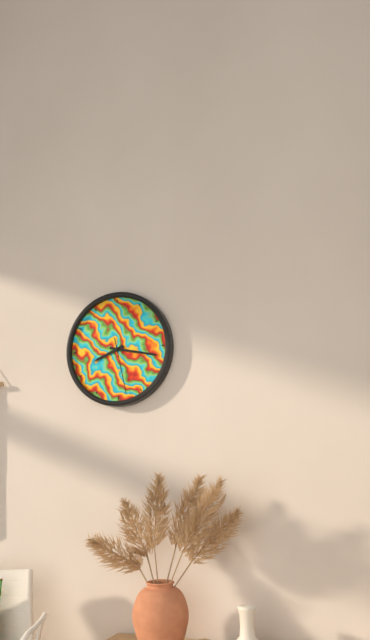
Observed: **8:17:28**
